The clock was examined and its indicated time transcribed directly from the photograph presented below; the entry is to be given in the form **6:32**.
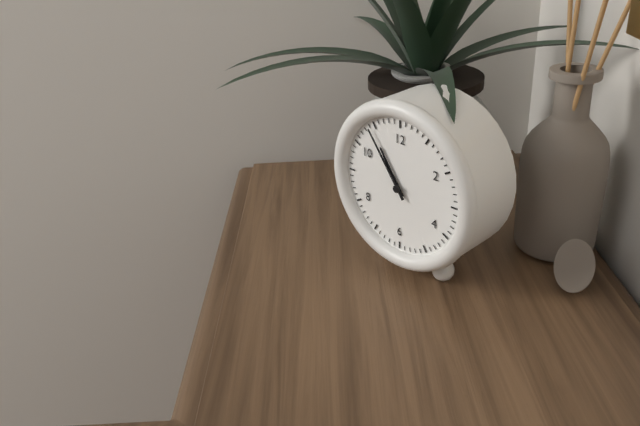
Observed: **10:54**
